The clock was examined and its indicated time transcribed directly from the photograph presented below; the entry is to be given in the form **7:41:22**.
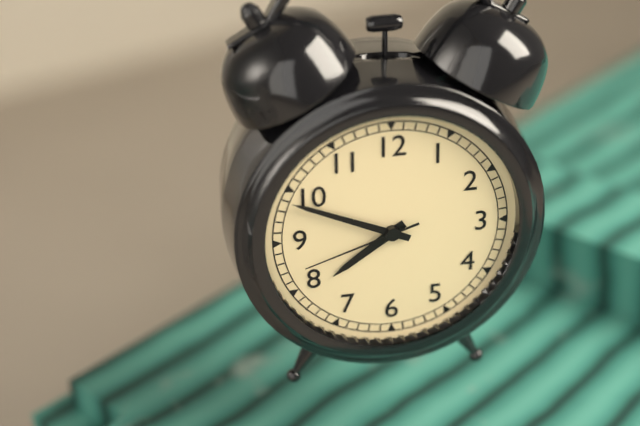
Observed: **7:49:42**
